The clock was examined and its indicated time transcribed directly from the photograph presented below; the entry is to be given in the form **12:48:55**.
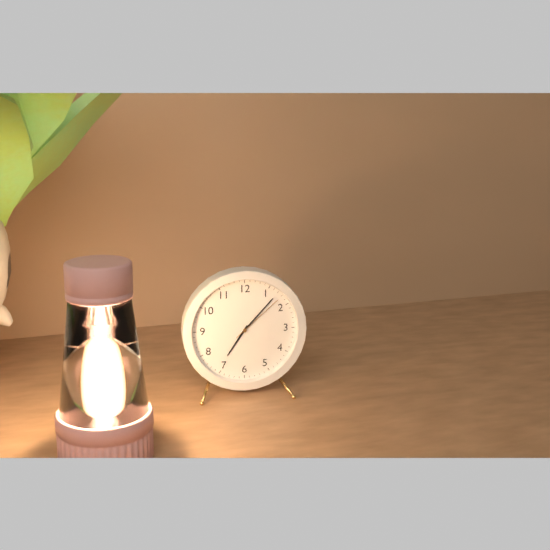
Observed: **7:07:08**
